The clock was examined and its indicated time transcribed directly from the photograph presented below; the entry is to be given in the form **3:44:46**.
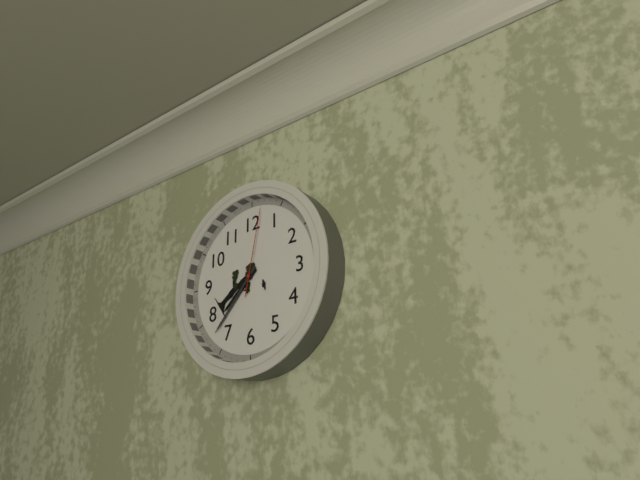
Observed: **7:37:02**
